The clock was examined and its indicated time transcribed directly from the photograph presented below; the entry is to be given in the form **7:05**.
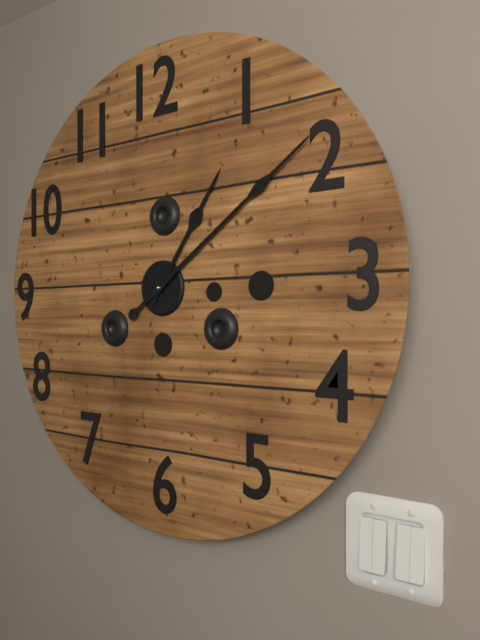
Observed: **1:09**
